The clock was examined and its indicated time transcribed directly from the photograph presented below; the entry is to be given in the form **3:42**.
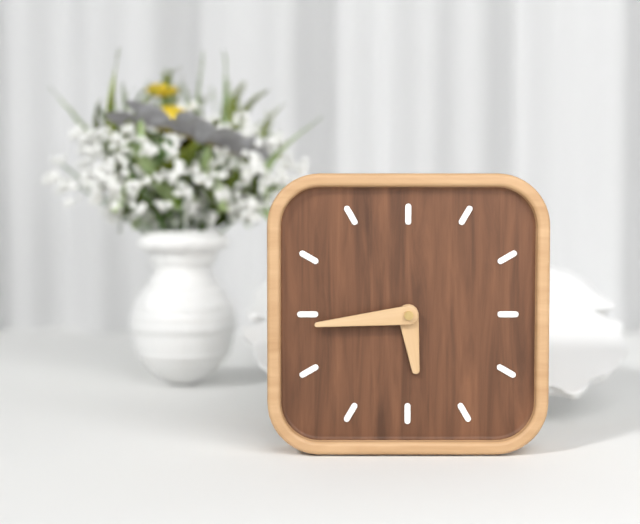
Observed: **5:44**
